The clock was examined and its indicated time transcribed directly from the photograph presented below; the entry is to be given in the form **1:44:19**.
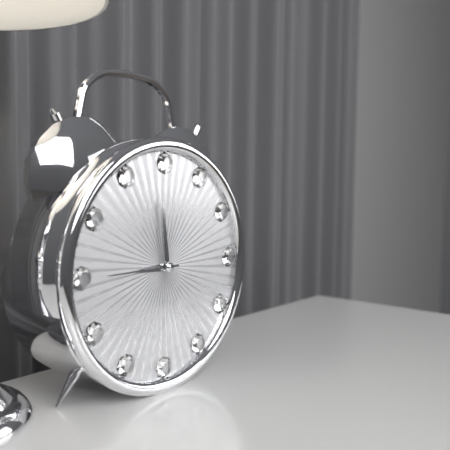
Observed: **8:59:45**
